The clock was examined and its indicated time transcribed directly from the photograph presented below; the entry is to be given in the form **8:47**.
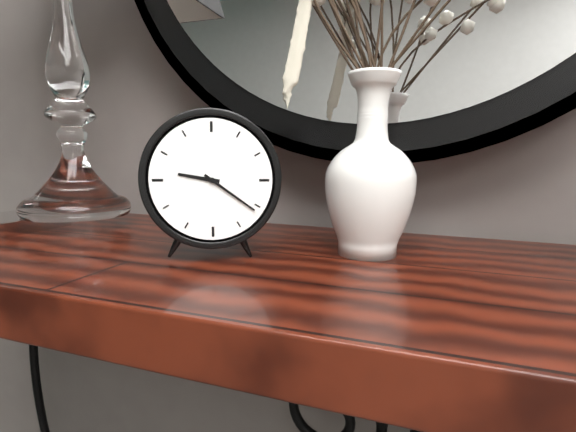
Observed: **9:21**
